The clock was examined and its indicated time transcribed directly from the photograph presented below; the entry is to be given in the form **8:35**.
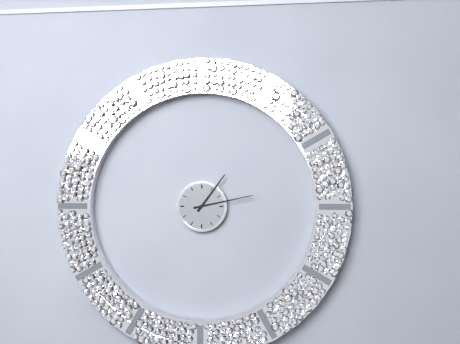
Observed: **1:13**
